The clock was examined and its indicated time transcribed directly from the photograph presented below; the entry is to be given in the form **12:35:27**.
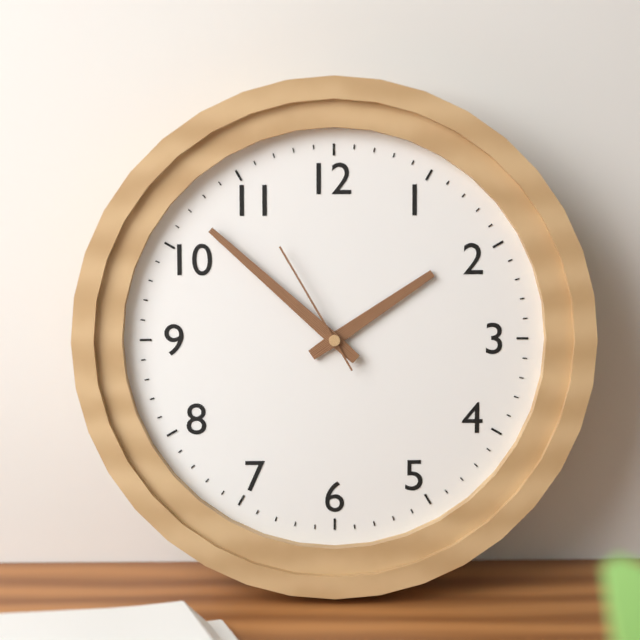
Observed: **1:52:55**
